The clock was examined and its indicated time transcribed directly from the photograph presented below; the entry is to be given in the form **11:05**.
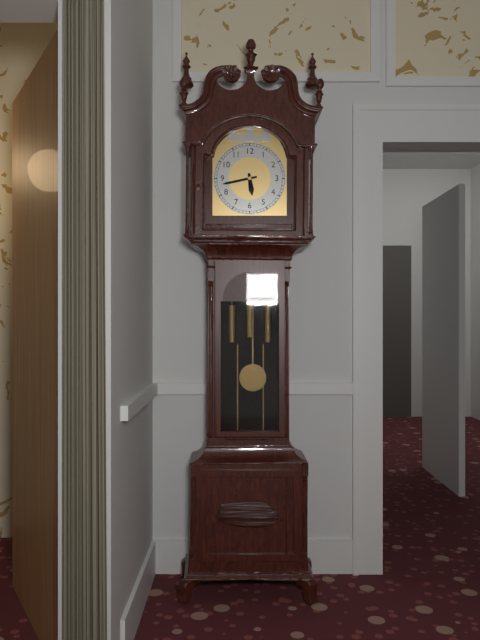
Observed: **5:43**
